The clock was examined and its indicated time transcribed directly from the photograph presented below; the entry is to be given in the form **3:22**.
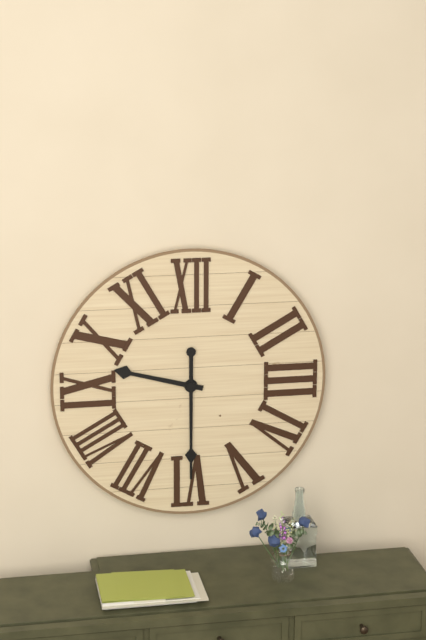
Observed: **9:30**
